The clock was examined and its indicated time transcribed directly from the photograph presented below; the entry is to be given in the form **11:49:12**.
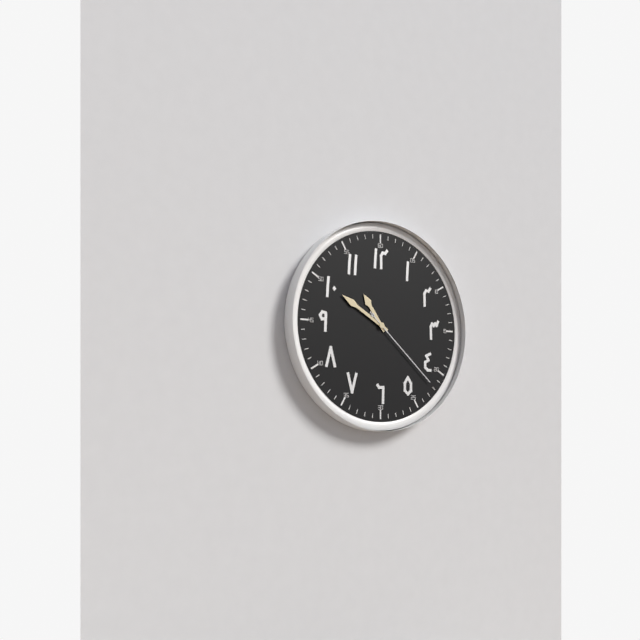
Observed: **10:50:22**
